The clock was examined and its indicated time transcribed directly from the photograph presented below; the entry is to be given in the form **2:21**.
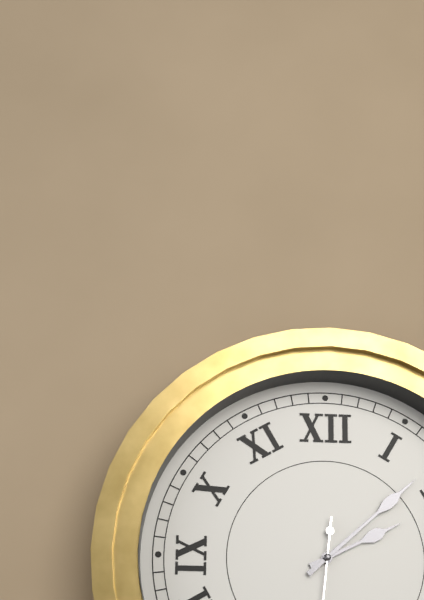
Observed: **2:08**
